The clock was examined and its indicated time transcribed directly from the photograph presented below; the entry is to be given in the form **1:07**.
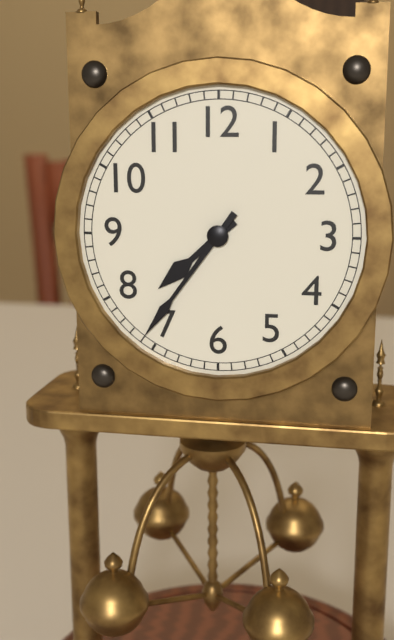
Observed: **7:36**
